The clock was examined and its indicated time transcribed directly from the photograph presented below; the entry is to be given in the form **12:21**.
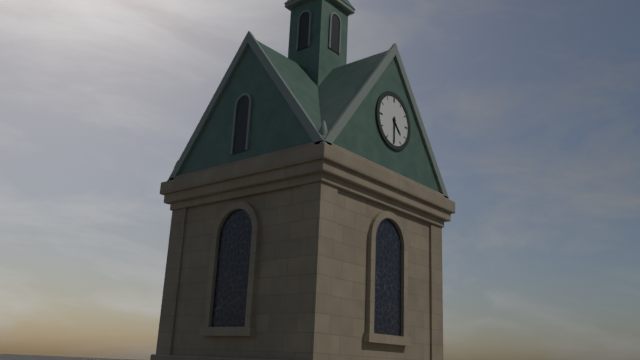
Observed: **4:30**
